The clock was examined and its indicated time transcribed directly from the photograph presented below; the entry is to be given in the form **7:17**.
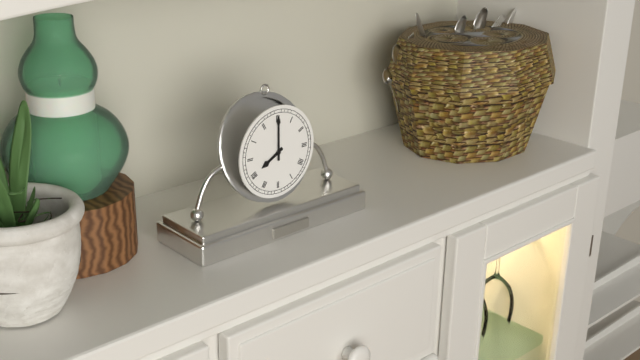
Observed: **8:00**
